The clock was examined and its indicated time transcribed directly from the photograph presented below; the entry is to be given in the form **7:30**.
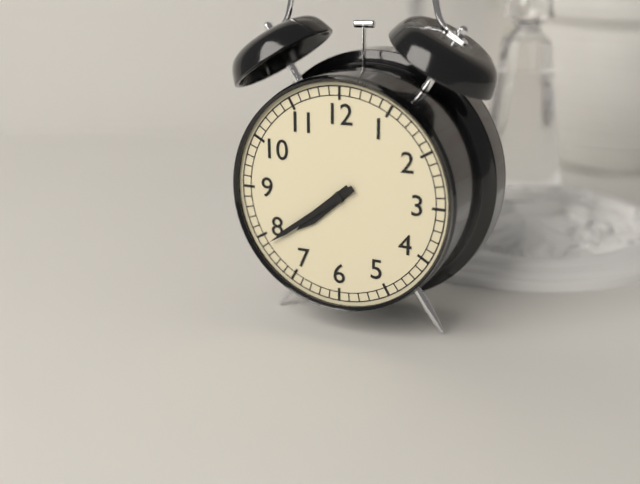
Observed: **7:39**
